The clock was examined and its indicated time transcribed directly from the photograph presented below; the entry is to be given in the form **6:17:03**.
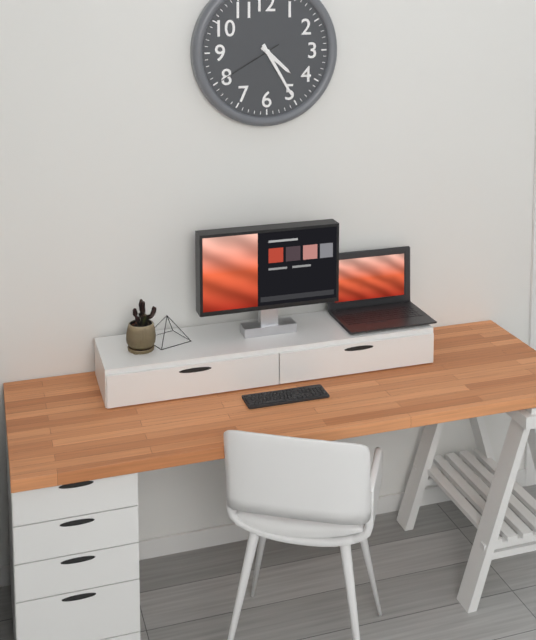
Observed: **4:25:40**
